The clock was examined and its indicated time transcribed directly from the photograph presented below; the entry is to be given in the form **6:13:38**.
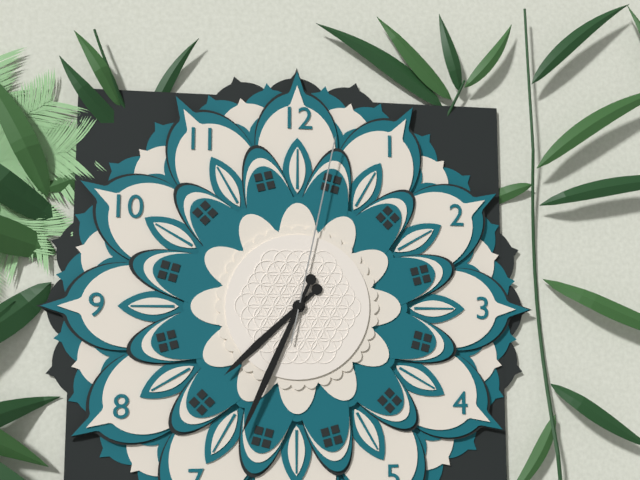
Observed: **7:34:02**
